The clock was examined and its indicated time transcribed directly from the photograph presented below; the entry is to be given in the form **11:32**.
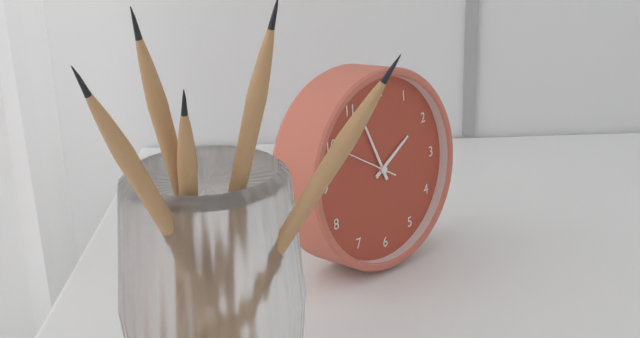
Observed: **1:56**
